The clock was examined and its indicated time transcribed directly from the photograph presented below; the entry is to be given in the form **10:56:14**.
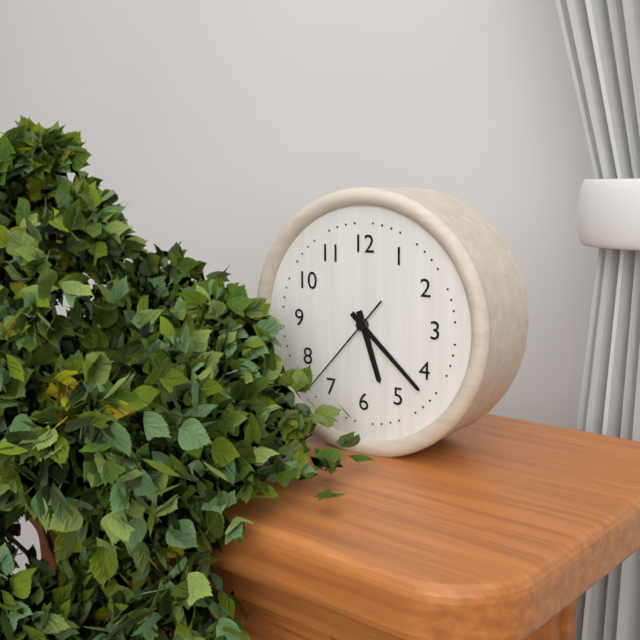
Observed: **5:22:37**
